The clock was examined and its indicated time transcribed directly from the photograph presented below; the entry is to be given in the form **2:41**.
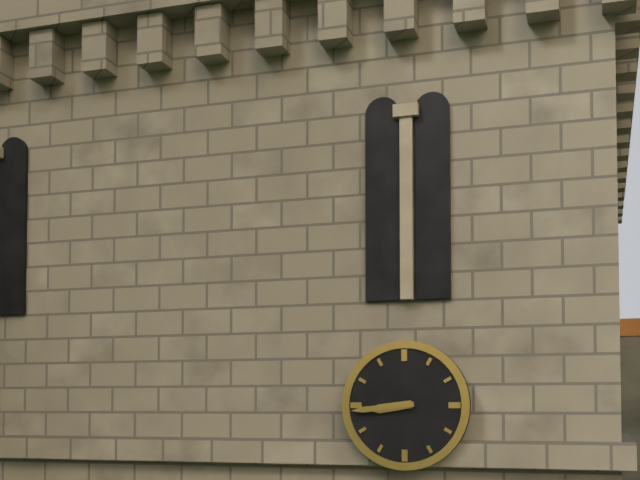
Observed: **8:44**
